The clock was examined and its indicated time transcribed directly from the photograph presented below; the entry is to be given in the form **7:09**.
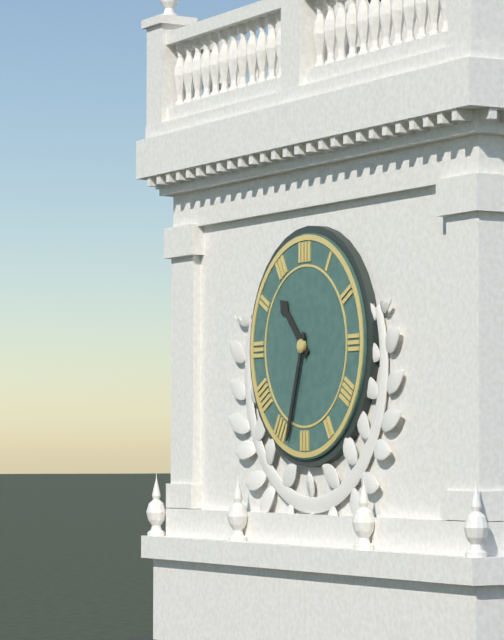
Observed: **10:33**
